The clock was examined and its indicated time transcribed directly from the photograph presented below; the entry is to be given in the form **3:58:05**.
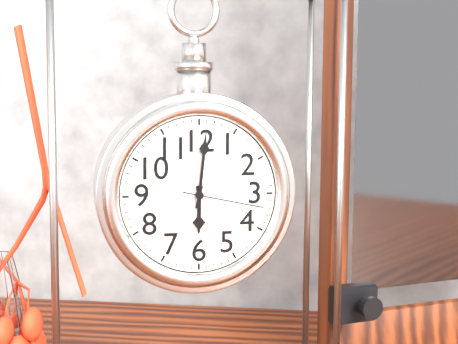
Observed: **6:01:17**
